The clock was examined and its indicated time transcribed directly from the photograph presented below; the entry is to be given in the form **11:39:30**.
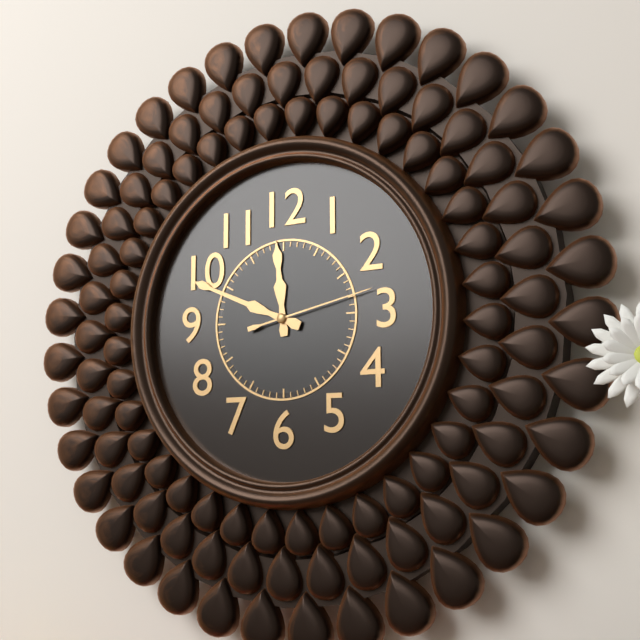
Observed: **11:49:13**
